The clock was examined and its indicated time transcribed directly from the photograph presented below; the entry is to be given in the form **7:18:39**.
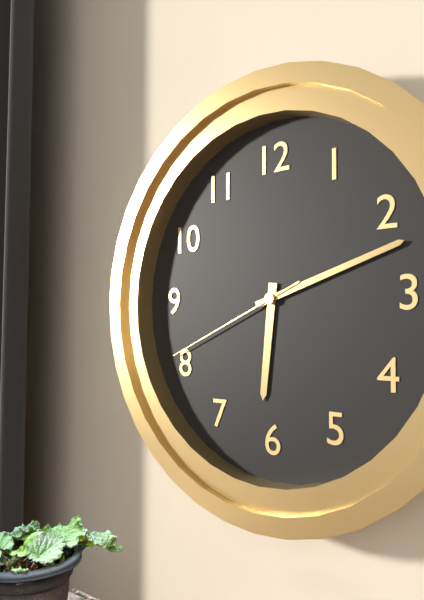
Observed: **6:12:41**
